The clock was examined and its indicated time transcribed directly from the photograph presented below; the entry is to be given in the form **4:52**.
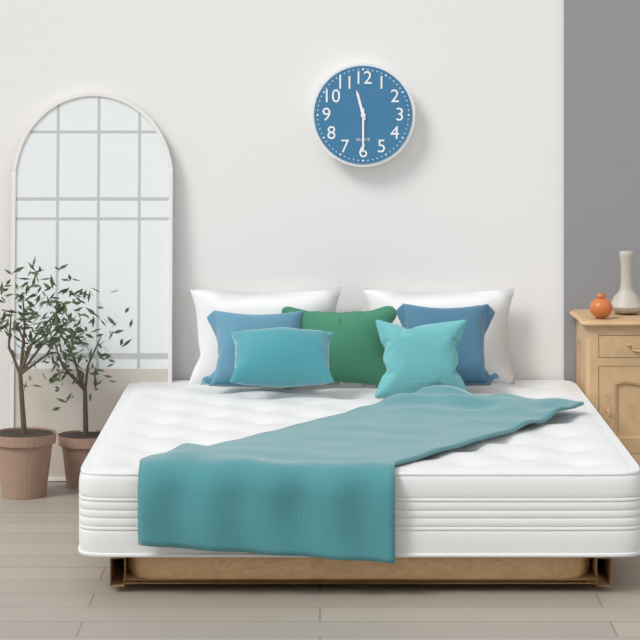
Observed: **11:30**
